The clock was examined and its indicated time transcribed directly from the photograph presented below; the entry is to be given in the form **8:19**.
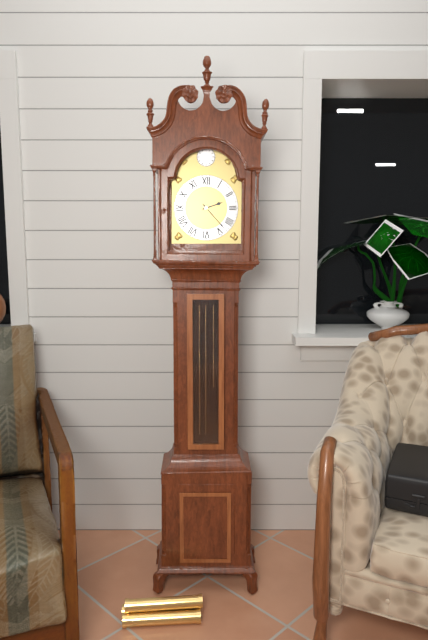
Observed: **2:23**
